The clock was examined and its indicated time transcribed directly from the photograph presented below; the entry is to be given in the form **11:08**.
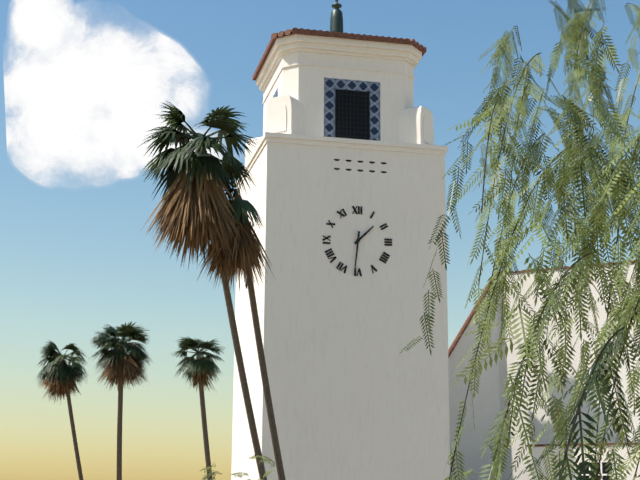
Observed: **1:31**
